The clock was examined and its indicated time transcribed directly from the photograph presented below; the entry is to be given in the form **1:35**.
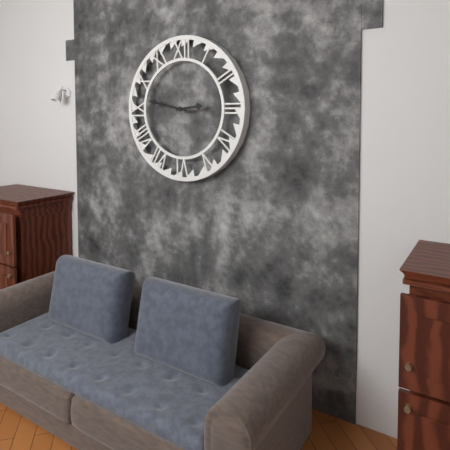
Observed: **2:47**
